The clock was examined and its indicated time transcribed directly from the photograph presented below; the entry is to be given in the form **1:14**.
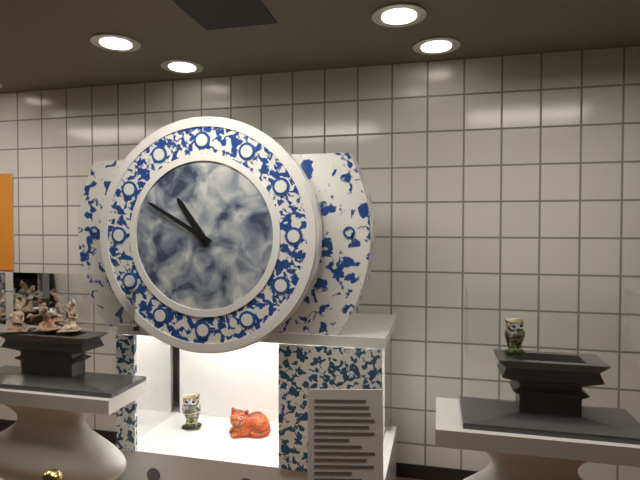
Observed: **10:50**
